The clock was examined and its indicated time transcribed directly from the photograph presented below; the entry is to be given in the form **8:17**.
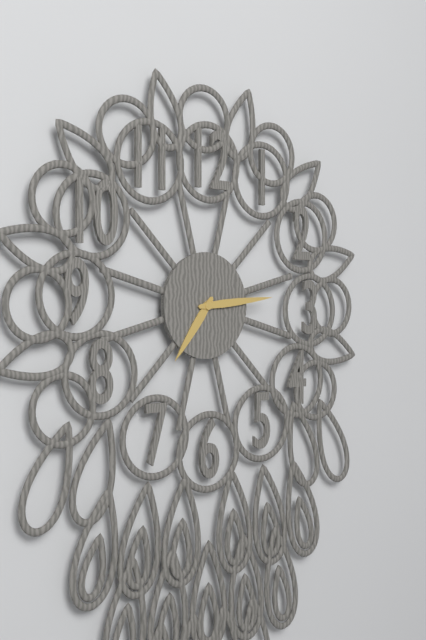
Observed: **7:14**
